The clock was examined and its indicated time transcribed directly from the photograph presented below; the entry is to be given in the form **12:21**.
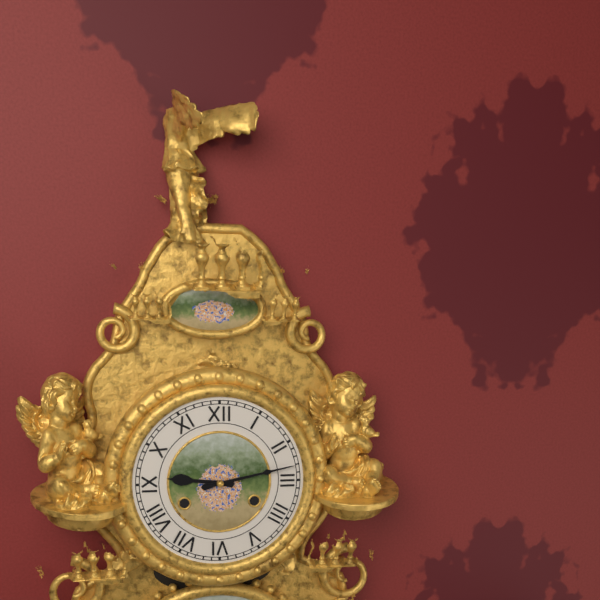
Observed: **9:13**
